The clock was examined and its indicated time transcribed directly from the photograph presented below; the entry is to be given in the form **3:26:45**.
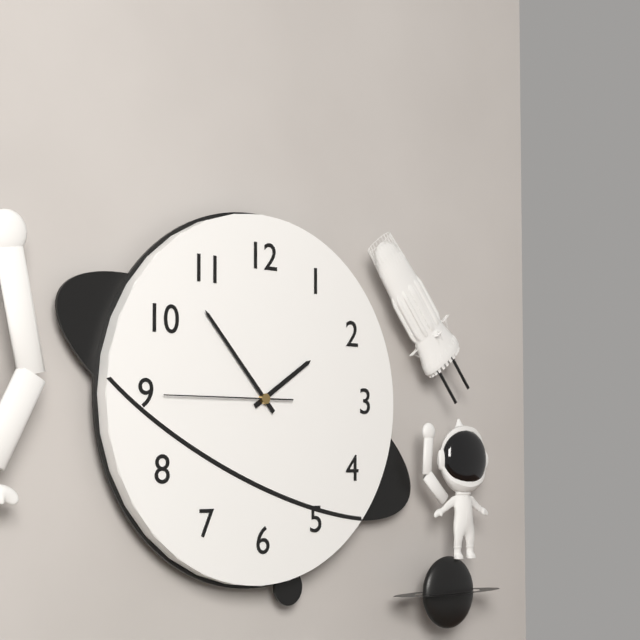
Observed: **1:53:45**
